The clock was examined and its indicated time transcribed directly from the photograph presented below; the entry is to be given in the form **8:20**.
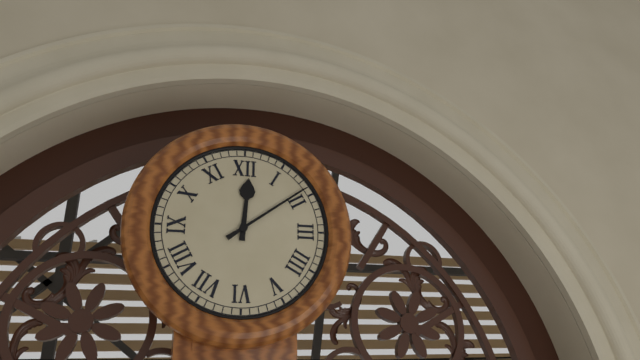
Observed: **12:09**
